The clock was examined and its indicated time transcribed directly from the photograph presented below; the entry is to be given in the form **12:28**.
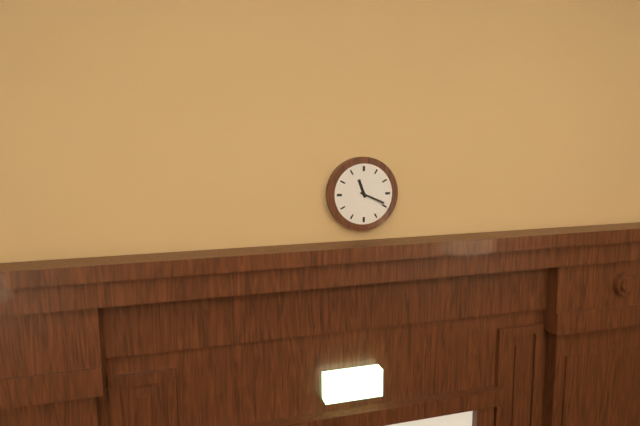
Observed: **11:19**
